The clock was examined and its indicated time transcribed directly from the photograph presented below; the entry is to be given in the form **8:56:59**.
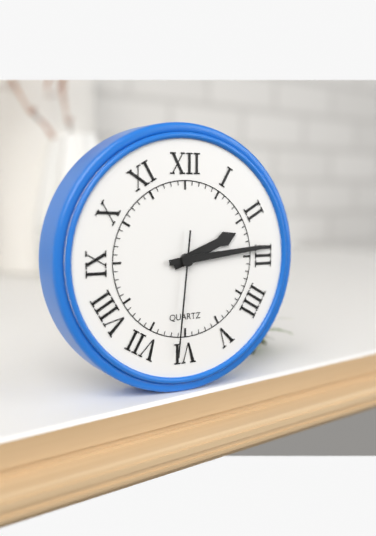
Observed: **2:14:31**
